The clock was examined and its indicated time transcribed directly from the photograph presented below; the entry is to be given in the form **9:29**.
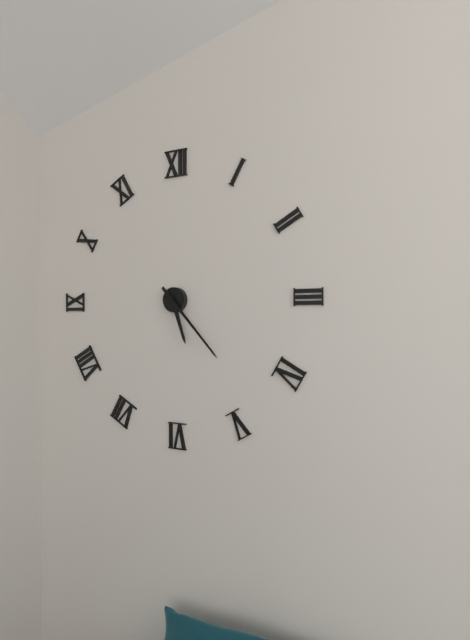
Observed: **5:23**
